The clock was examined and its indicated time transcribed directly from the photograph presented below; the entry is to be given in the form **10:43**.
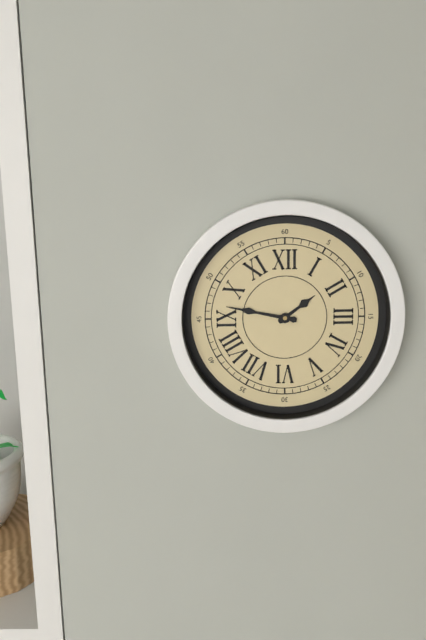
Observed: **1:47**
